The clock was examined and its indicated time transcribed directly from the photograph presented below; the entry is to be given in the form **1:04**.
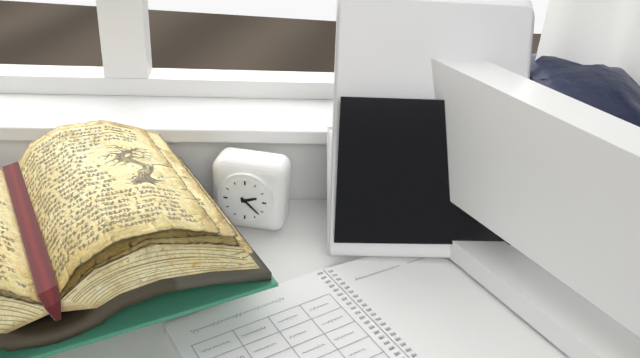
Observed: **2:22**
